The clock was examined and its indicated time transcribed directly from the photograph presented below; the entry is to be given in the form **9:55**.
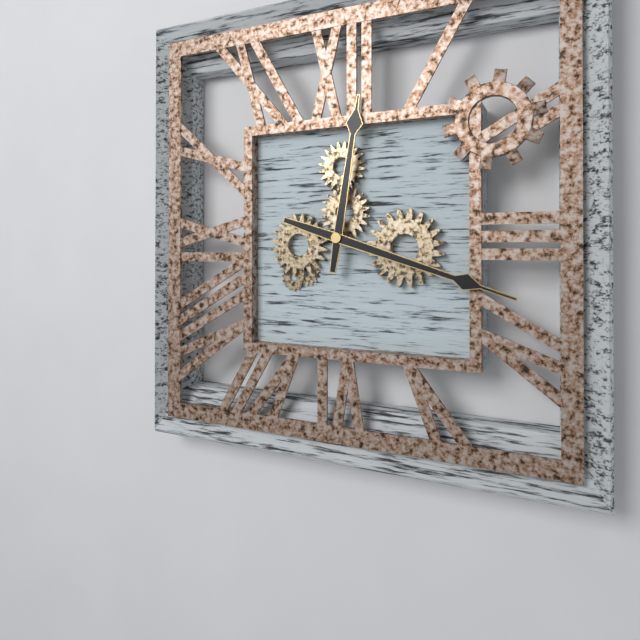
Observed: **12:18**
